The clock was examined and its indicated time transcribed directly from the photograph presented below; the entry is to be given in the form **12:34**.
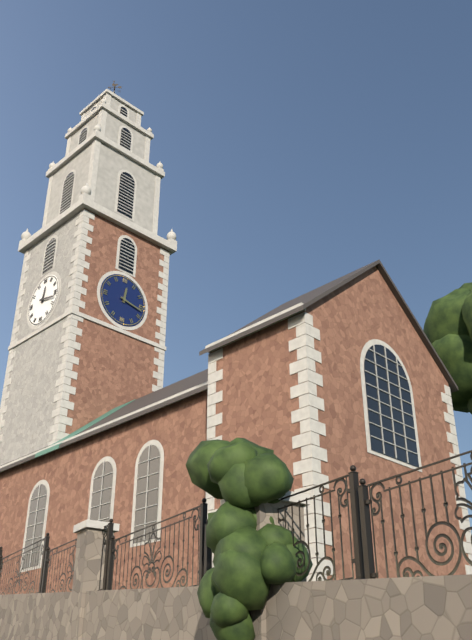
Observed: **12:17**
